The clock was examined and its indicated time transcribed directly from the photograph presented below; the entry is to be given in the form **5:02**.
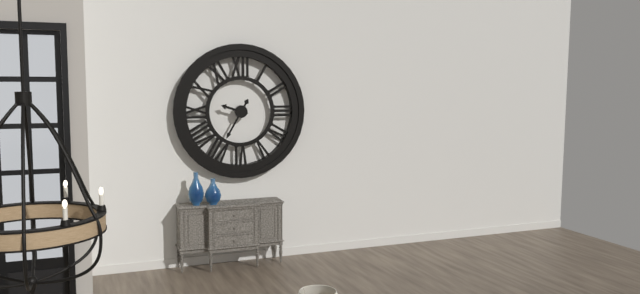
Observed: **9:35**
